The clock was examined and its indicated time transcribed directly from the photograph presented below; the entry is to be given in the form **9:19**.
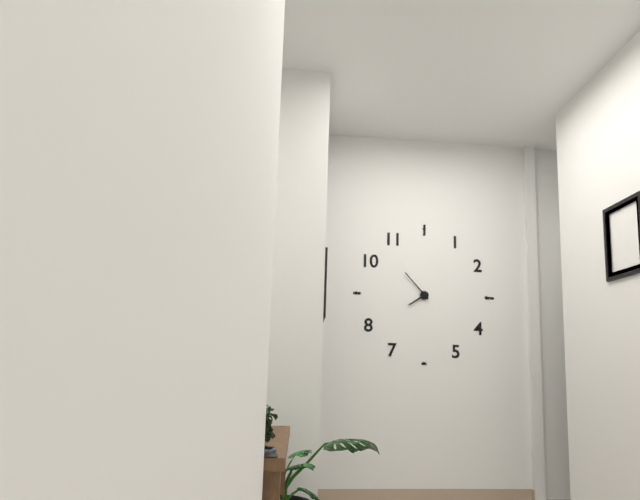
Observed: **7:53**
